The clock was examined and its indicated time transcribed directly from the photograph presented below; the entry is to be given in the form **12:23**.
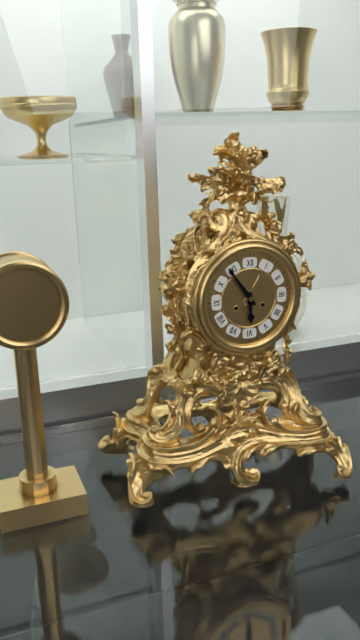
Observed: **5:54**
